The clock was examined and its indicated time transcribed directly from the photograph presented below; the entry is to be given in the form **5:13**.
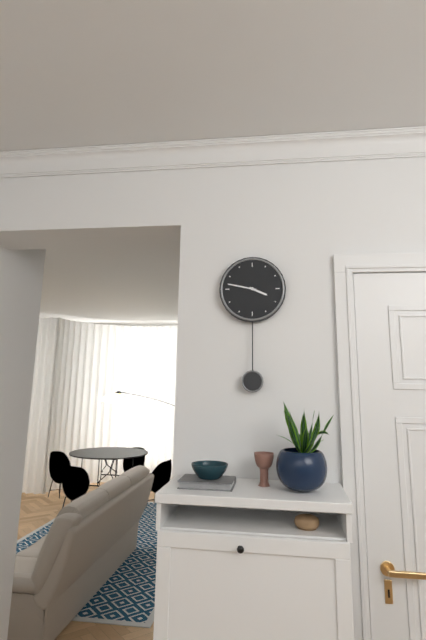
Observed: **3:47**
